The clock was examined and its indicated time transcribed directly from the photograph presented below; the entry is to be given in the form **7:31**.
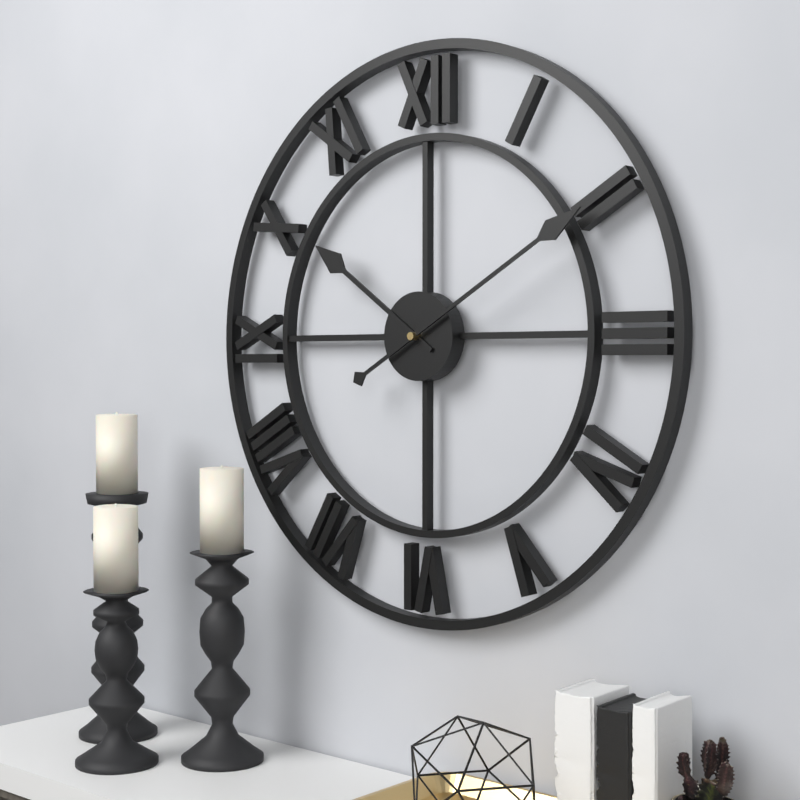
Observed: **10:10**
